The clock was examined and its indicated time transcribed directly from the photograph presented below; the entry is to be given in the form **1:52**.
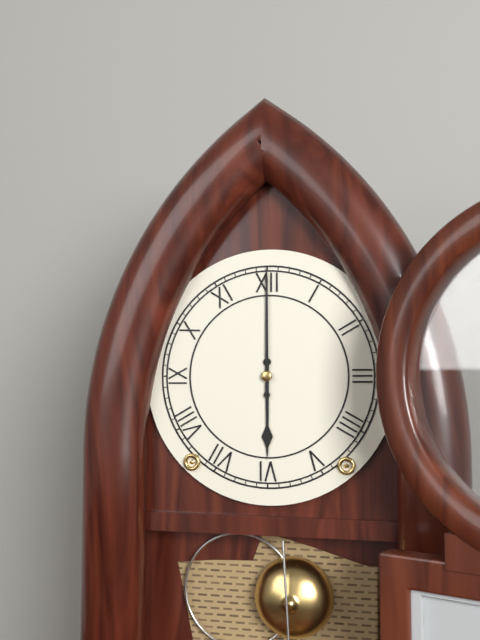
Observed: **6:00**
